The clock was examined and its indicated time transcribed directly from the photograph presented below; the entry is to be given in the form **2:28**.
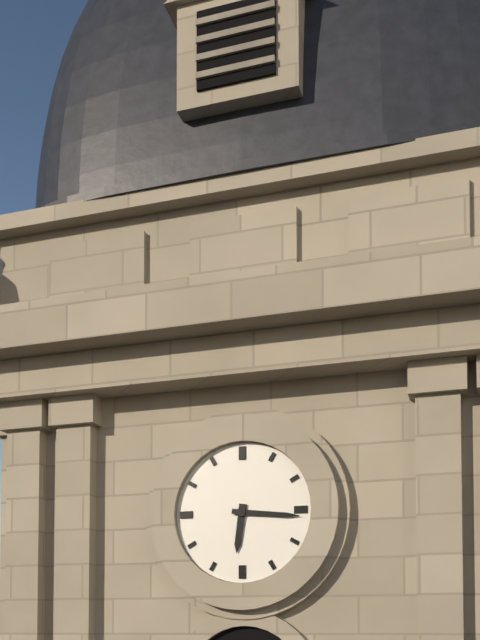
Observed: **6:16**
